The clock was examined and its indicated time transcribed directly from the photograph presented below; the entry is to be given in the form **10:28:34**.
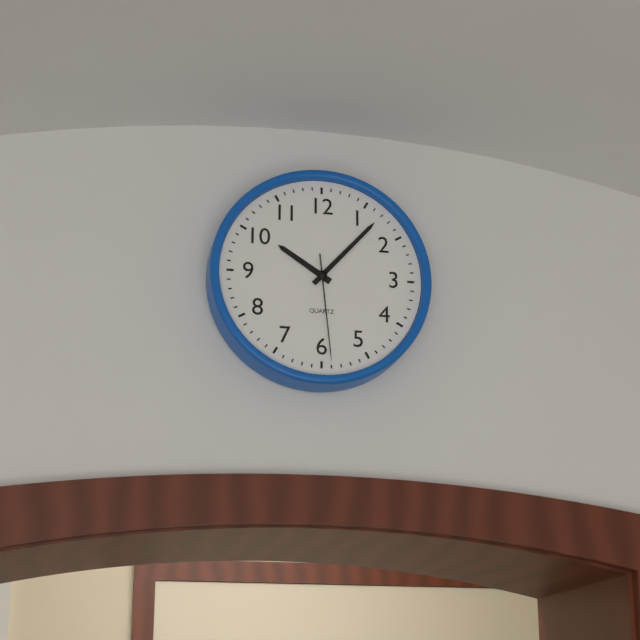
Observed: **10:07:29**
